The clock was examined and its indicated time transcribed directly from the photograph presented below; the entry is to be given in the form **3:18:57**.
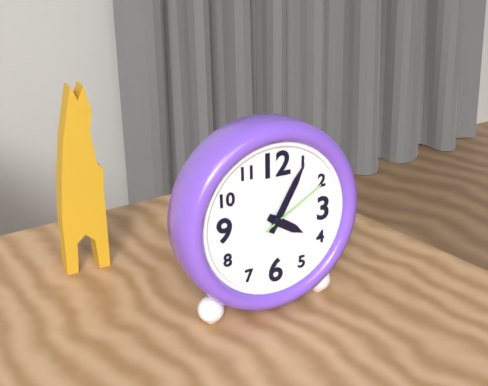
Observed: **4:05:10**
